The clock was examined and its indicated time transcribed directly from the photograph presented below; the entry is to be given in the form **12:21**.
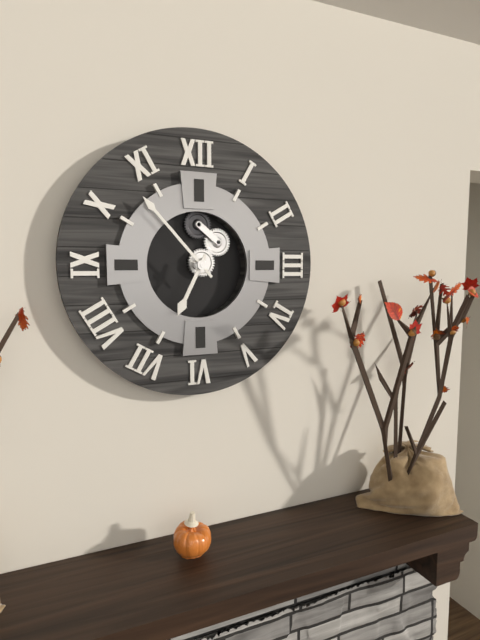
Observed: **6:53**
